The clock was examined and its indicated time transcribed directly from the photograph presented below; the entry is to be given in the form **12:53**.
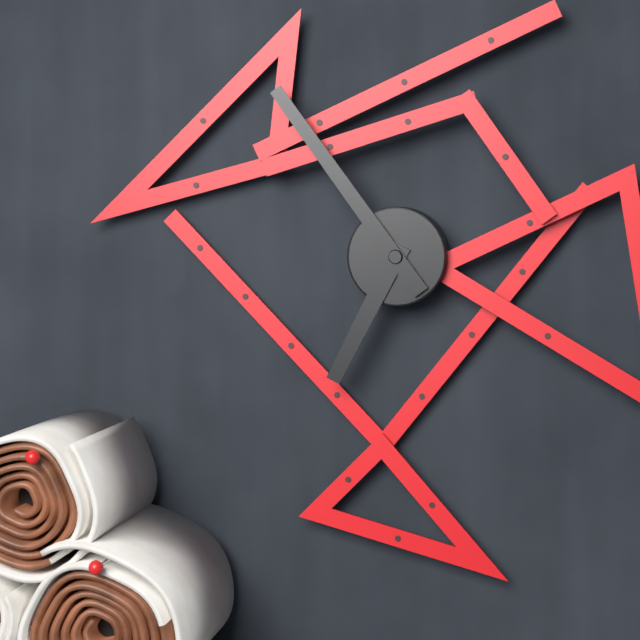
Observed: **6:54**
